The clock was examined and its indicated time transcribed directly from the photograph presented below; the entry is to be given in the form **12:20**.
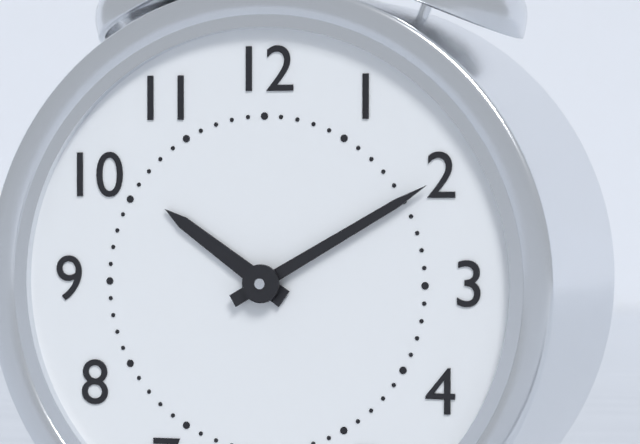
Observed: **10:10**
